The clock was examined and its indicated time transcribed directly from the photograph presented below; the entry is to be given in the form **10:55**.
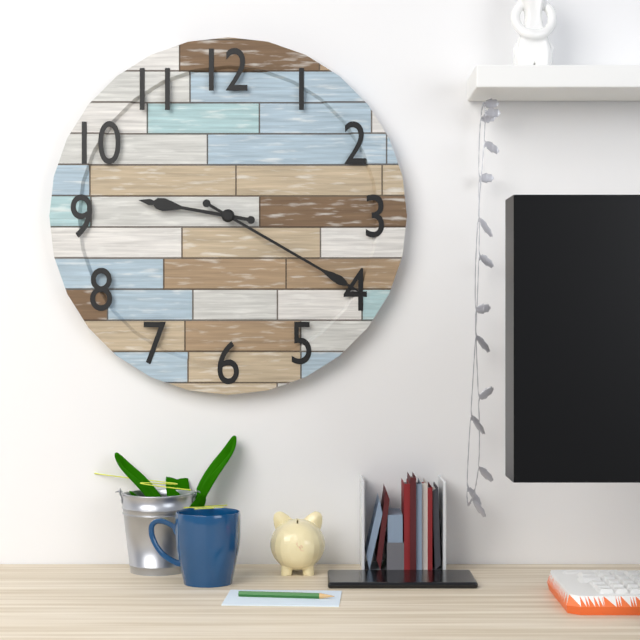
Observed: **9:20**
